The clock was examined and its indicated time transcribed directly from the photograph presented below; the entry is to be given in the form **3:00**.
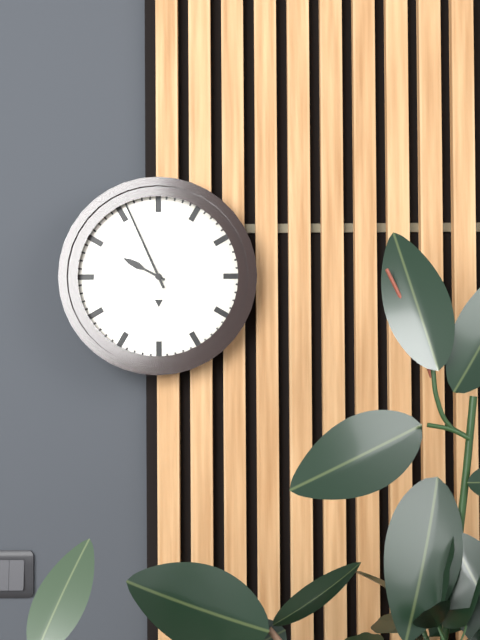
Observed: **9:56**
